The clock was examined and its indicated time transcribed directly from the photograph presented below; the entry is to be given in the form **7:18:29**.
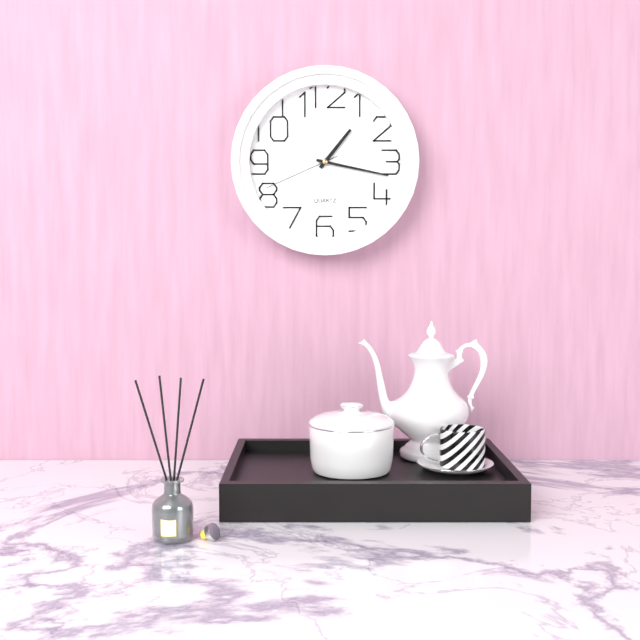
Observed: **1:17:41**
